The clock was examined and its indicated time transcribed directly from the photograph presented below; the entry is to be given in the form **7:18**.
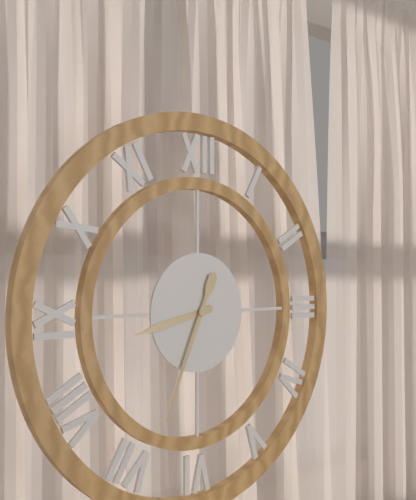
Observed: **8:34**
